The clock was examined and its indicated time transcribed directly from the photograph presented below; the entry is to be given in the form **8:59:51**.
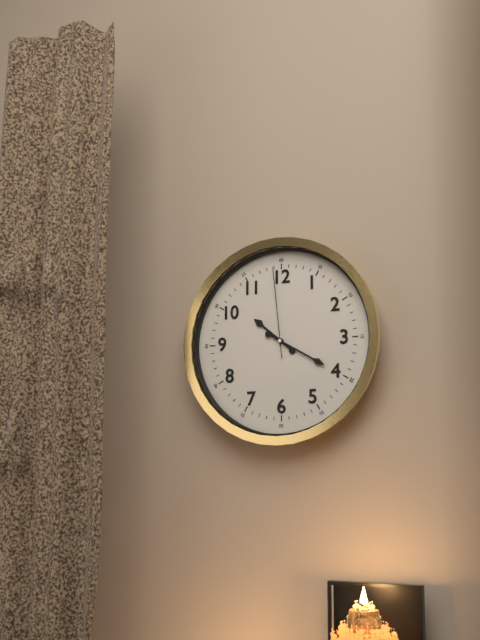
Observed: **10:20:59**
